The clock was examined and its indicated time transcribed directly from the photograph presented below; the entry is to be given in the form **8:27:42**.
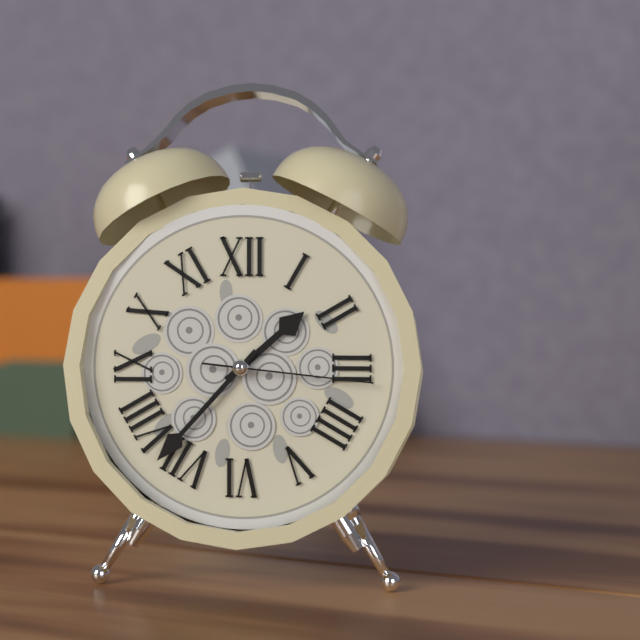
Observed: **1:37:16**
